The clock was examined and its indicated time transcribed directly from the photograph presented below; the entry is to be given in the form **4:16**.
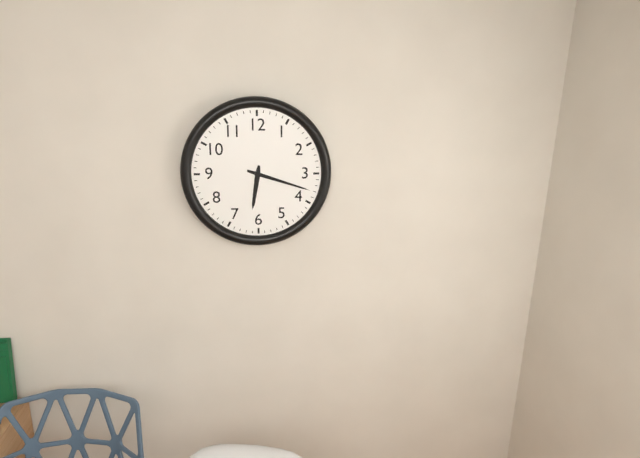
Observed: **6:18**
